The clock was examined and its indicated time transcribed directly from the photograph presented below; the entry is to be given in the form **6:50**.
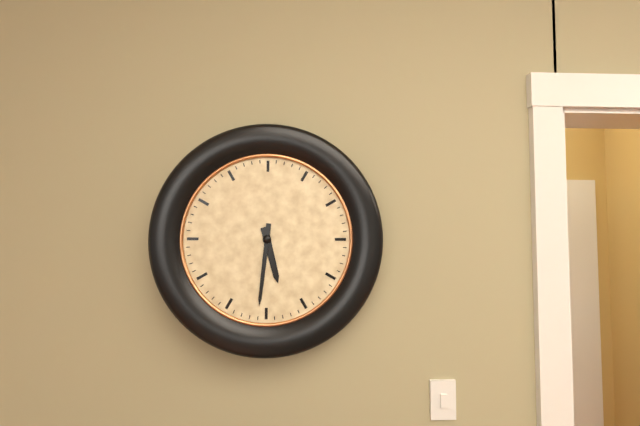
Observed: **5:31**
